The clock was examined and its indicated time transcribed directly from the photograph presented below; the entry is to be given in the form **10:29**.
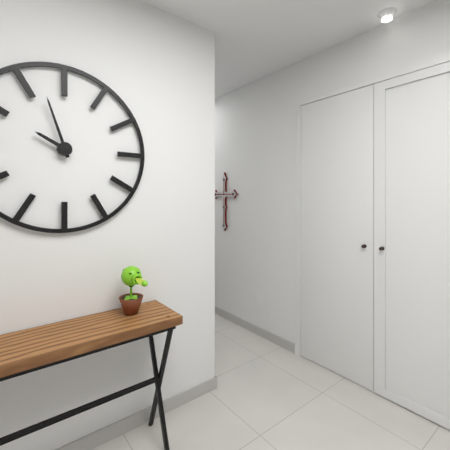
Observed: **9:57**
